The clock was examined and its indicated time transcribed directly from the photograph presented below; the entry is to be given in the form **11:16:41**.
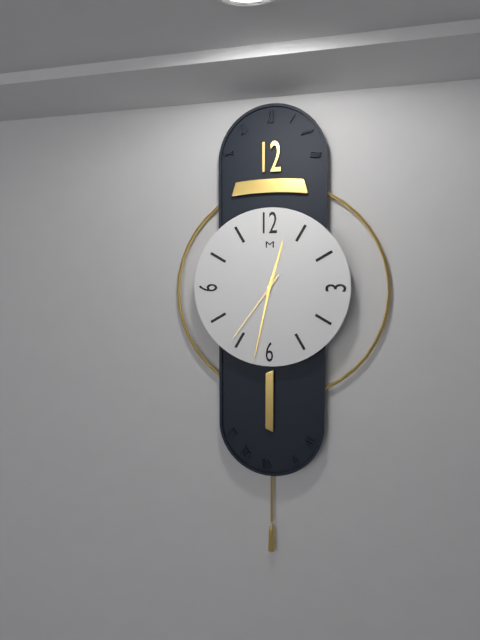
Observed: **12:32:36**
